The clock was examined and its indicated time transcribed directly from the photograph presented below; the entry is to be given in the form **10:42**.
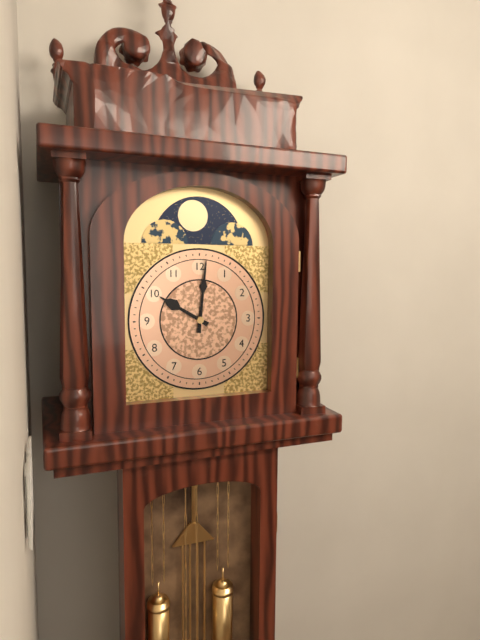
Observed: **10:01**
